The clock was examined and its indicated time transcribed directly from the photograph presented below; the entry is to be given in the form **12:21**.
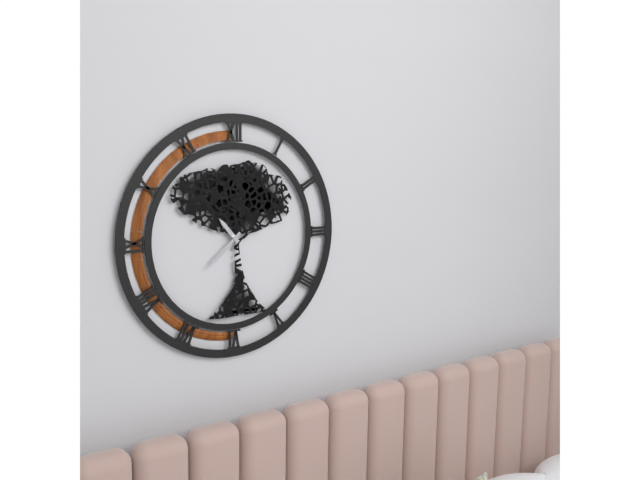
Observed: **10:38**
